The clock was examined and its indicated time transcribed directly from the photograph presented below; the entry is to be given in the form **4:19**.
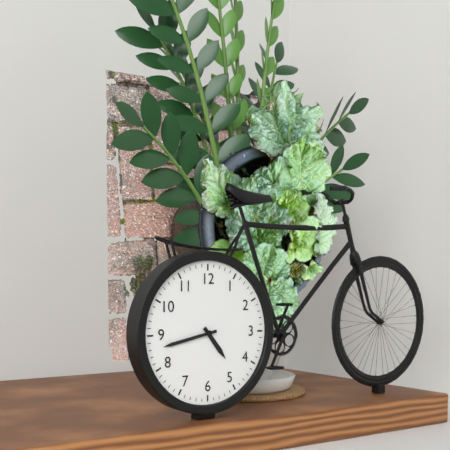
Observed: **4:43**
